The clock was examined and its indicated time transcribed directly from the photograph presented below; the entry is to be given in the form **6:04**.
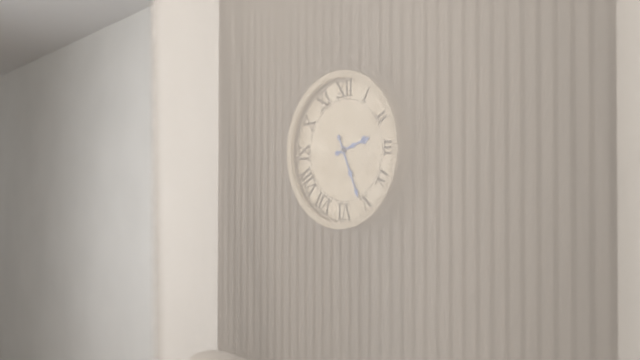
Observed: **2:26**
